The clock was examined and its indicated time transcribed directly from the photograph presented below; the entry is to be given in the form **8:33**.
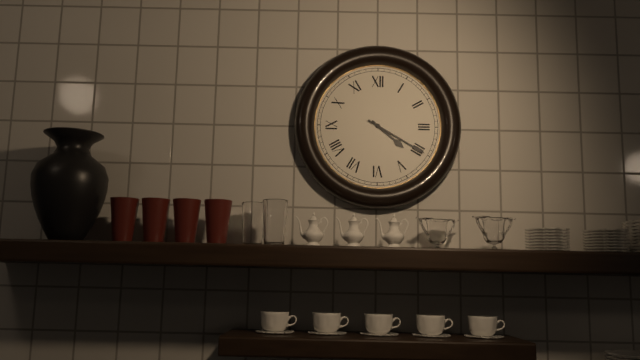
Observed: **4:20**
